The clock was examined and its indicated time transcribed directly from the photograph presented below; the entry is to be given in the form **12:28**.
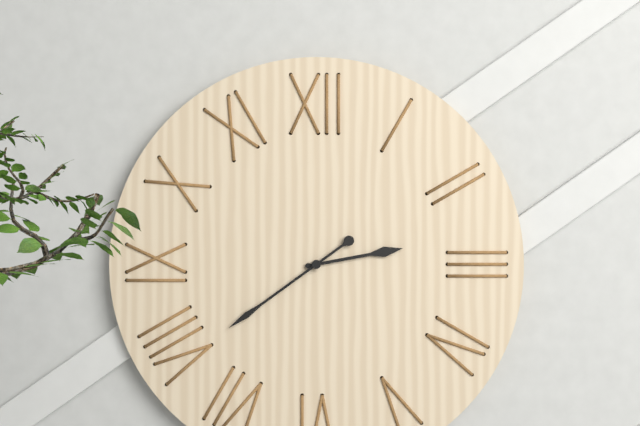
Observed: **2:39**
